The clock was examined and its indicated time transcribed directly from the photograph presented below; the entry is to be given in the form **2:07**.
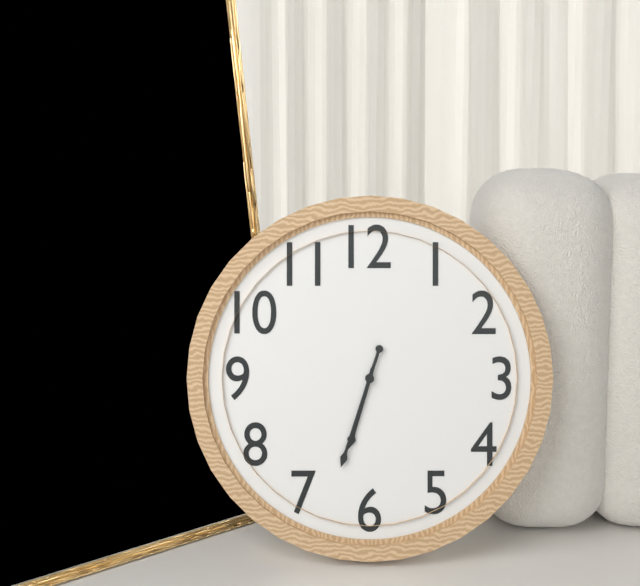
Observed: **6:33**
